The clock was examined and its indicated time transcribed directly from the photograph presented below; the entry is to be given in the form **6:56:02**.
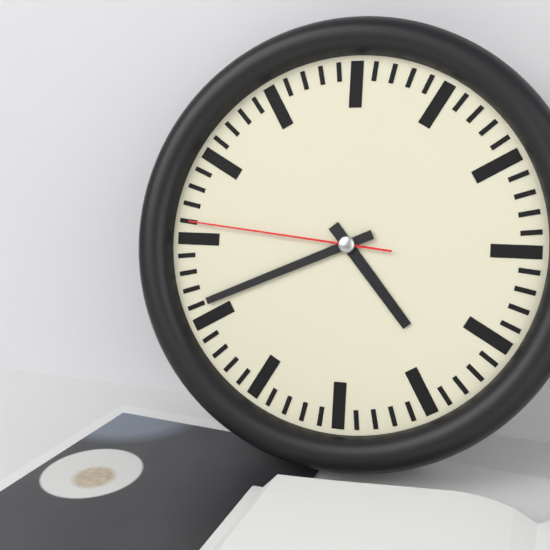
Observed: **4:41:46**
